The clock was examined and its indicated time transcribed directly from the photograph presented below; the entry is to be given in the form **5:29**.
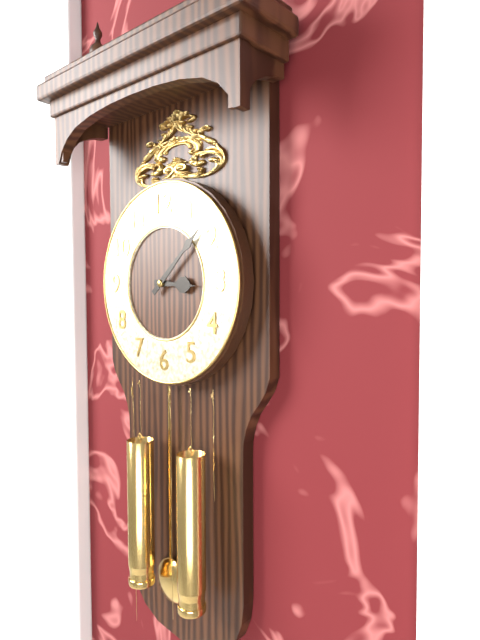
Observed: **3:08**
